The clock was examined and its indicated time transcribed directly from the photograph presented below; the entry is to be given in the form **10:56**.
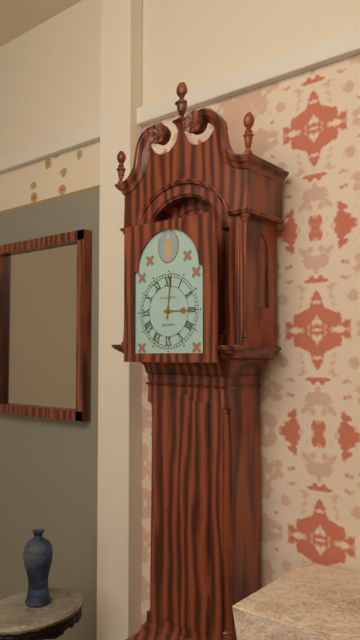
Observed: **3:01**
